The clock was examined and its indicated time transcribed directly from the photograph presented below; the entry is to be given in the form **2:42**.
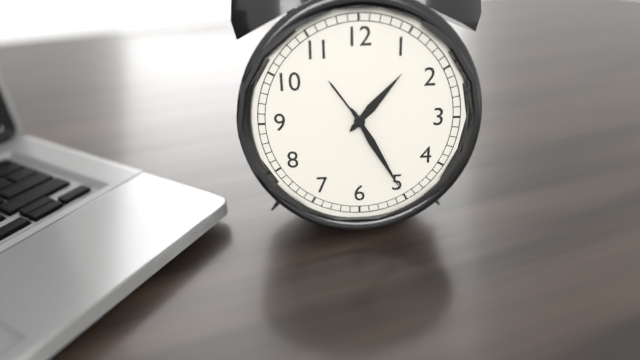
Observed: **1:25**
